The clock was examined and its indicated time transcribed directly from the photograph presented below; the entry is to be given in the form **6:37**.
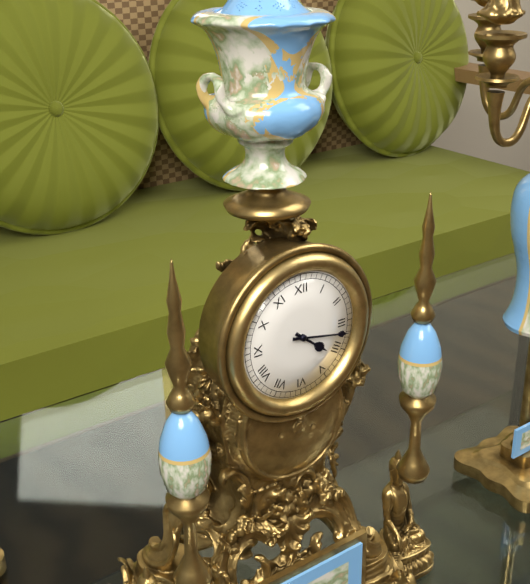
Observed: **4:17**
